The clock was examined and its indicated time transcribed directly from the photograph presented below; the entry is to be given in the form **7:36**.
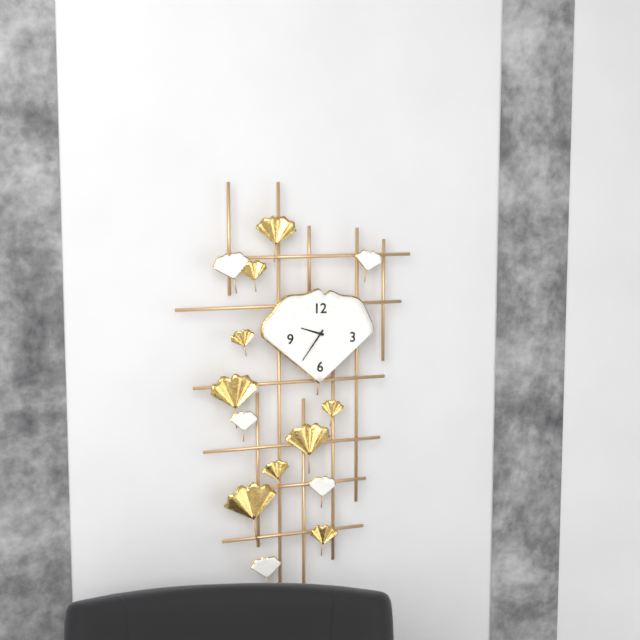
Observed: **9:36**
